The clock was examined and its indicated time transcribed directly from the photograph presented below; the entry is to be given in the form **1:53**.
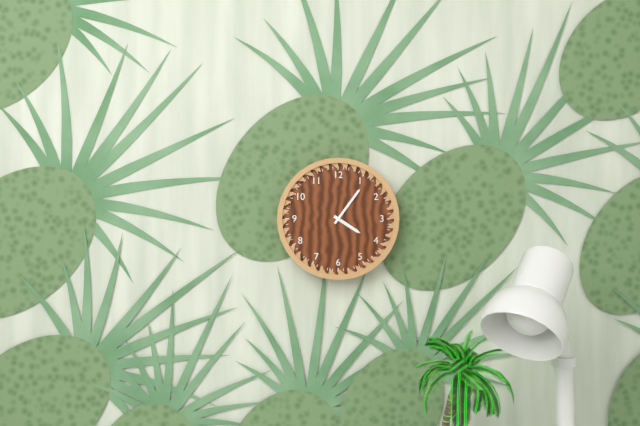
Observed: **4:06**
